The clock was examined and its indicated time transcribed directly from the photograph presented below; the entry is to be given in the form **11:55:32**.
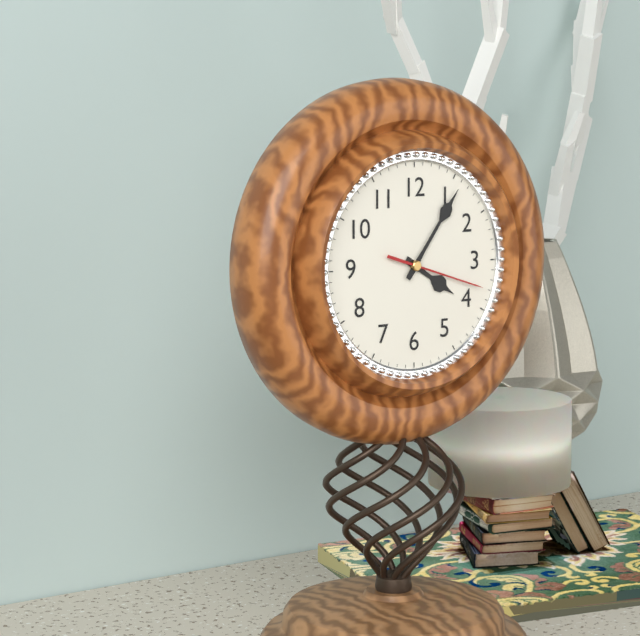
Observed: **4:06:18**
